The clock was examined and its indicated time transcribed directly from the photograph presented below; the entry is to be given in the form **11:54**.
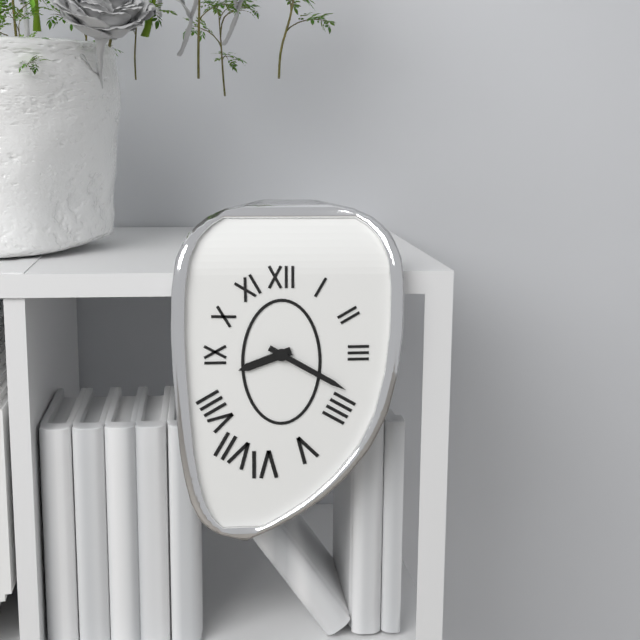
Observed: **8:20**
